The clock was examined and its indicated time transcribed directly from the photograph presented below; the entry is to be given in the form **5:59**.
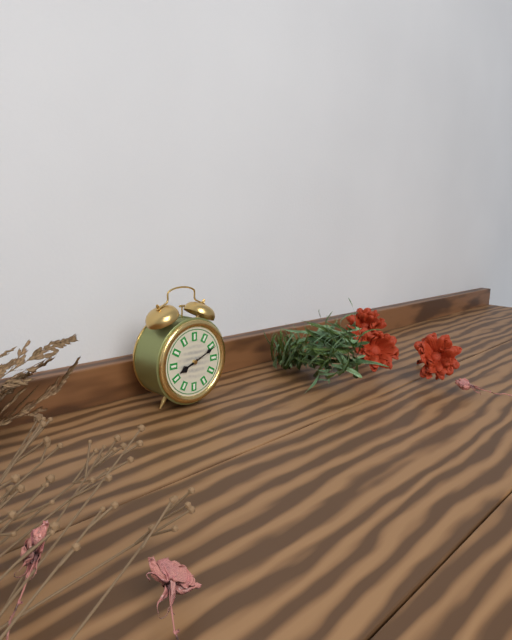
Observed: **8:11**
